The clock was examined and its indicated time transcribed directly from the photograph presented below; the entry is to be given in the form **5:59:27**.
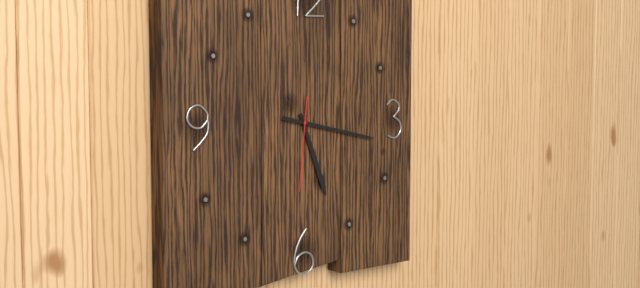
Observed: **5:17:31**
